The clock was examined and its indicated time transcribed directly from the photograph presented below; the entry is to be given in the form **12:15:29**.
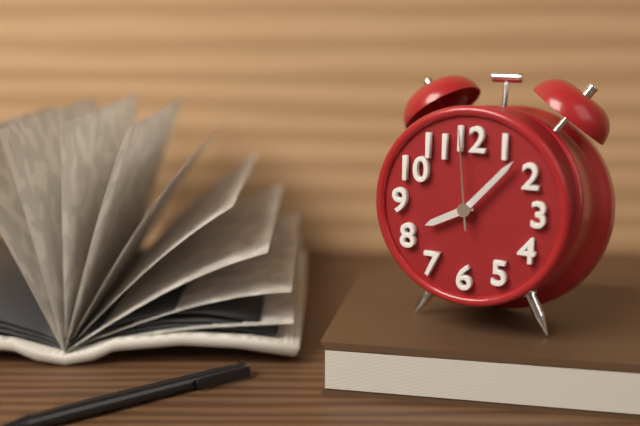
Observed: **8:07:59**
